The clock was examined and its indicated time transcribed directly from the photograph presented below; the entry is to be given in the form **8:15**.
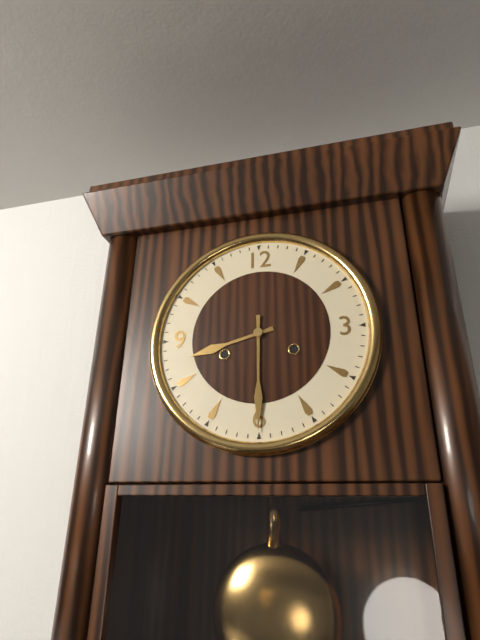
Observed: **8:30**
